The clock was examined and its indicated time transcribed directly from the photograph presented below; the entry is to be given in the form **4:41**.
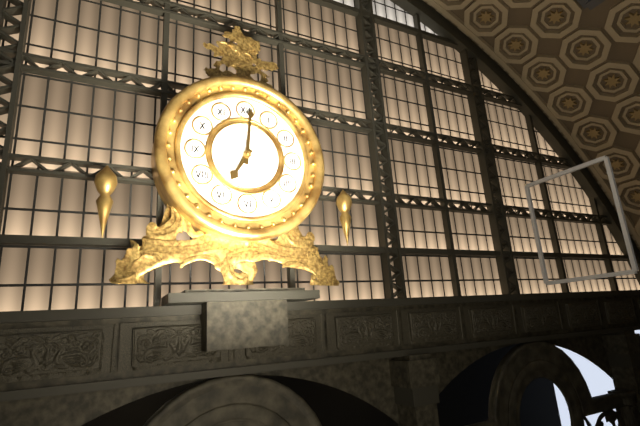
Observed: **7:01**
